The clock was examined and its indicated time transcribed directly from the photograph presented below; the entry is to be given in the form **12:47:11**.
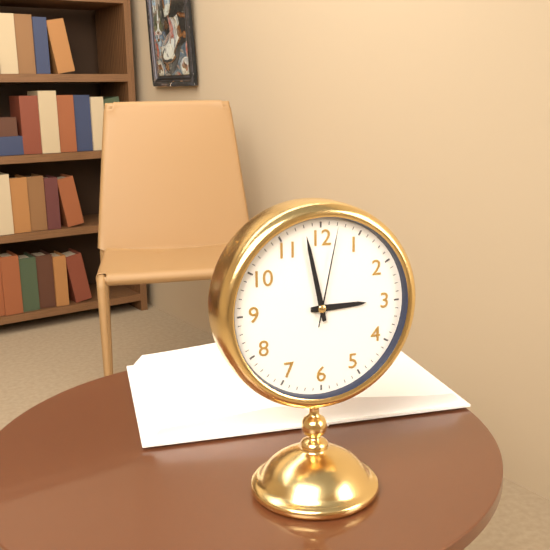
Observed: **2:58:02**
